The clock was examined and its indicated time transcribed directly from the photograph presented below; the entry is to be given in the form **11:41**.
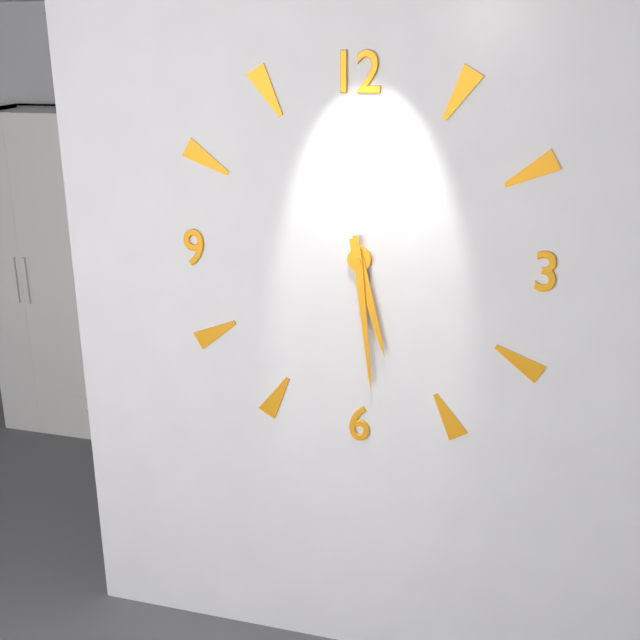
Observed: **5:29**
